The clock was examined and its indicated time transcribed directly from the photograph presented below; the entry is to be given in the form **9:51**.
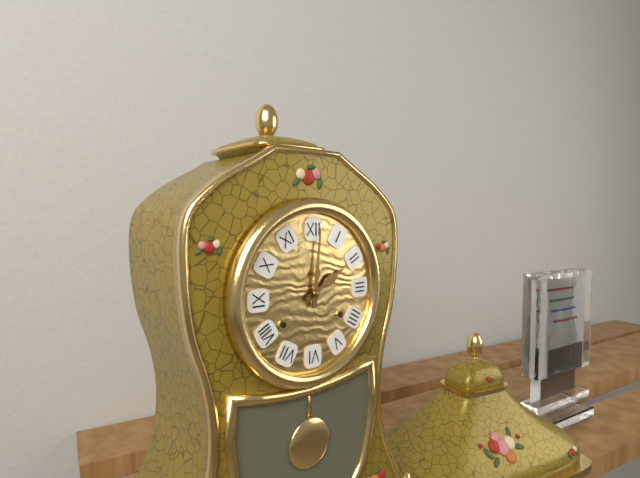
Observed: **2:01**
